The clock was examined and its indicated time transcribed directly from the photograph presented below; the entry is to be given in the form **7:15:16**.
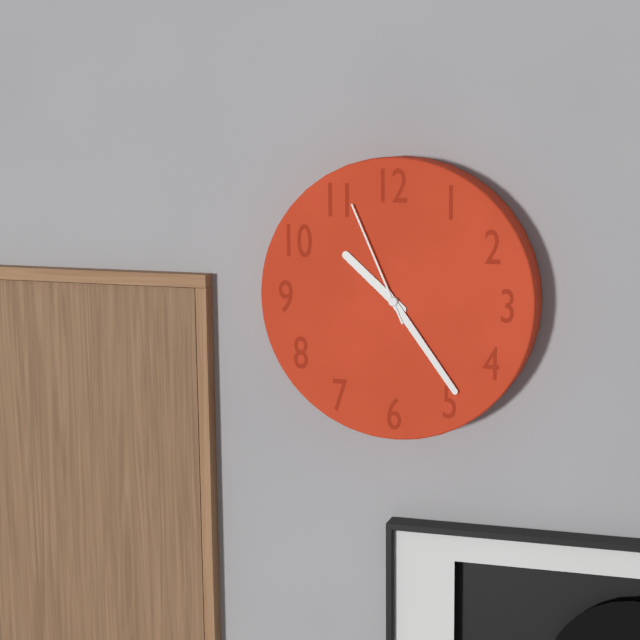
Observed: **10:24:56**
